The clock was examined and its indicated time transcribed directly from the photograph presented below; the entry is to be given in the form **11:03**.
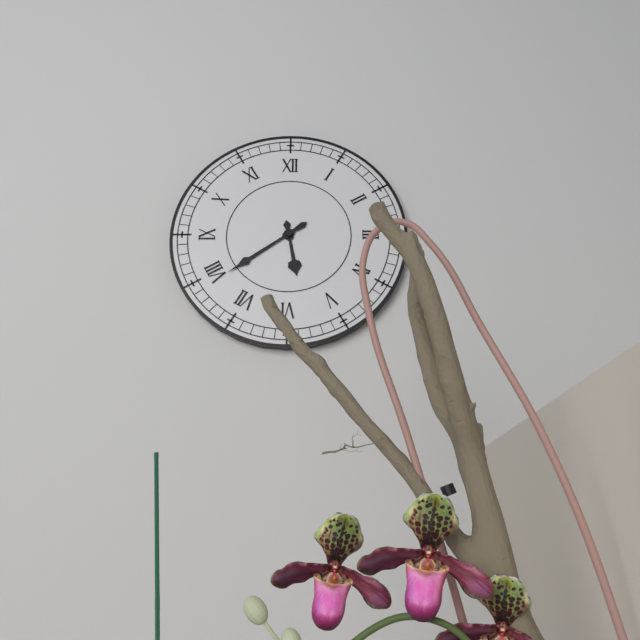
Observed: **5:39**
